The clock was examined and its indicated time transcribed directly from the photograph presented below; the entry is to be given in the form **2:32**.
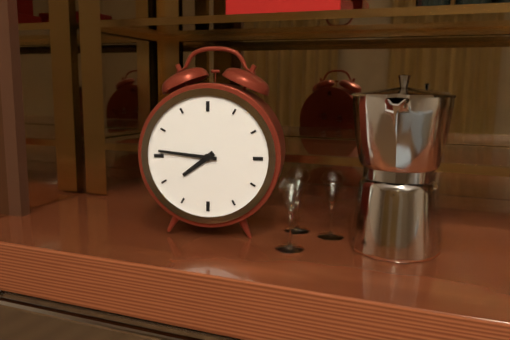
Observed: **7:46**
